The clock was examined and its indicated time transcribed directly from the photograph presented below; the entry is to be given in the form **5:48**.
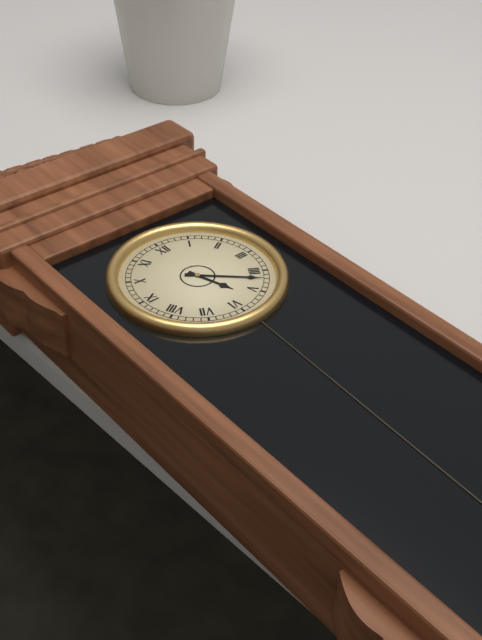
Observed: **5:22**
